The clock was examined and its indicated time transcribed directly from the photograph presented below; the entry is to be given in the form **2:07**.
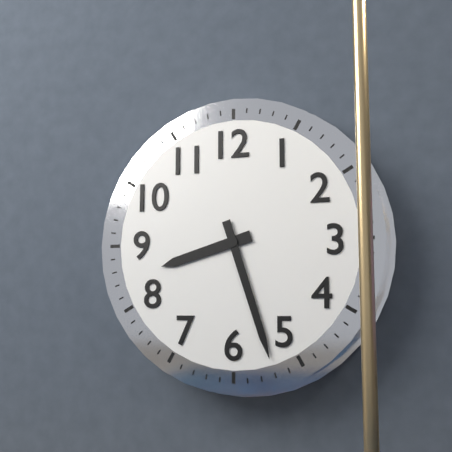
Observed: **8:27**
